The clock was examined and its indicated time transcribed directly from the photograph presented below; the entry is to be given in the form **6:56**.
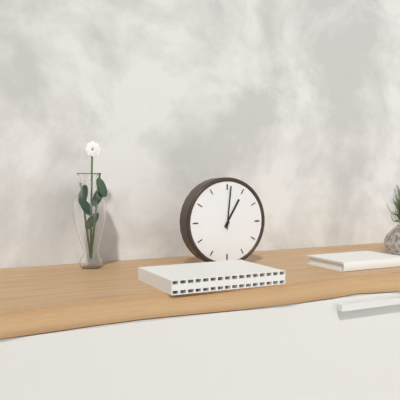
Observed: **1:01**
